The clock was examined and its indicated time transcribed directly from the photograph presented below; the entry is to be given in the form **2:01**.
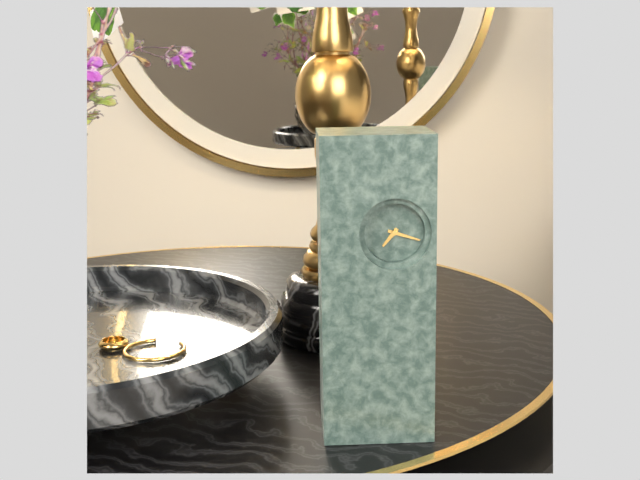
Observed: **7:18**
